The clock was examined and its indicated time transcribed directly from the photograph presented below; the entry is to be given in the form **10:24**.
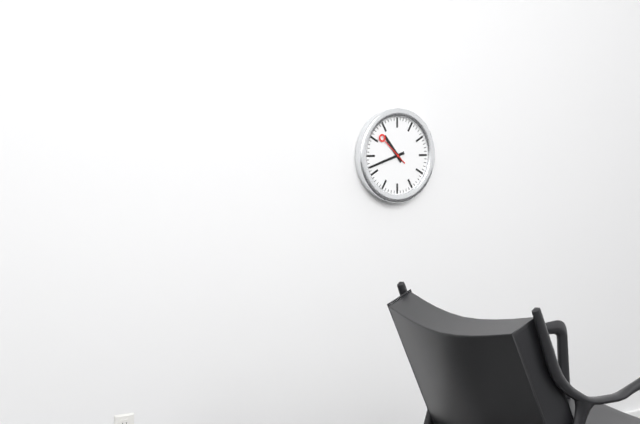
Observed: **10:42**
